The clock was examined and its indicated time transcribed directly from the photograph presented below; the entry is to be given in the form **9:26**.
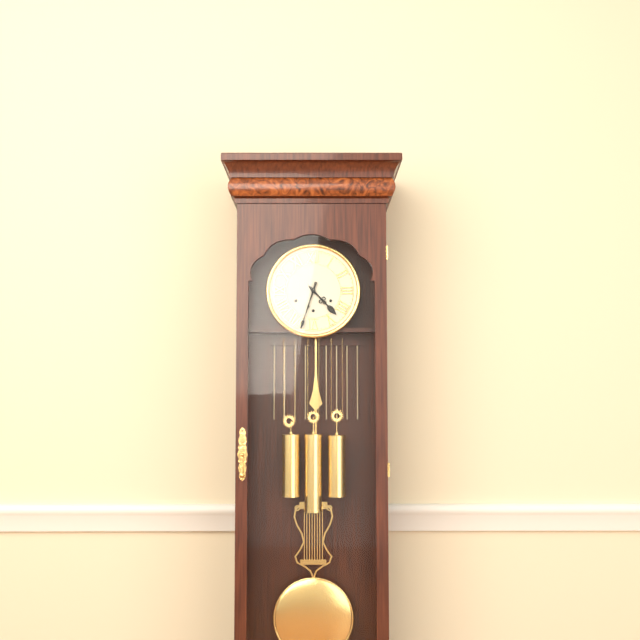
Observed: **4:33**
